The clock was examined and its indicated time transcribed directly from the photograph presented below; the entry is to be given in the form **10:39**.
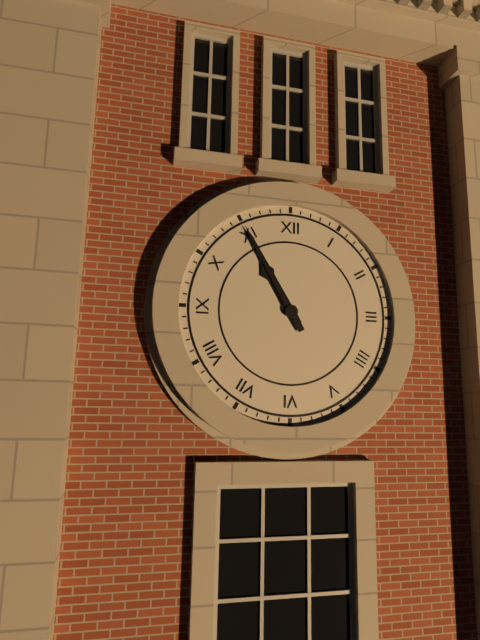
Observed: **10:55**
